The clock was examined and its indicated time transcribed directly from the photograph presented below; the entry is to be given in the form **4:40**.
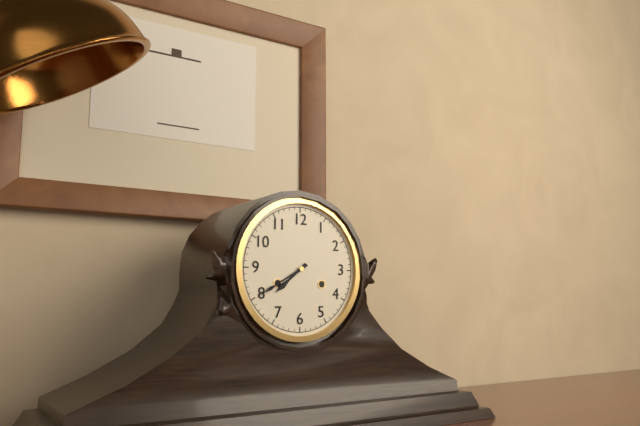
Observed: **7:40**
